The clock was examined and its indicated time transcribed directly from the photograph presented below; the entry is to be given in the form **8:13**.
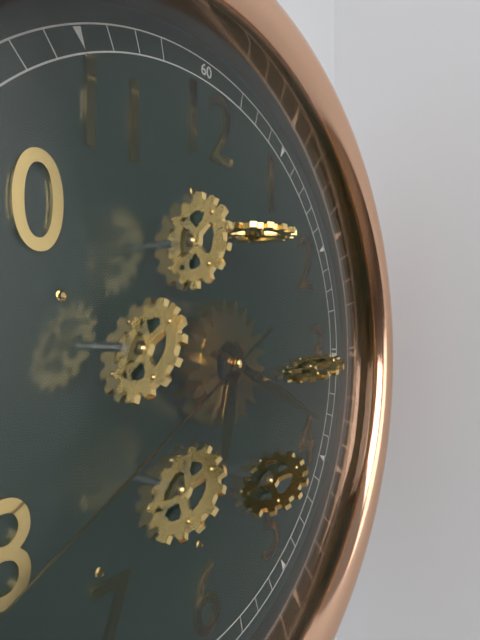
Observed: **6:19**
